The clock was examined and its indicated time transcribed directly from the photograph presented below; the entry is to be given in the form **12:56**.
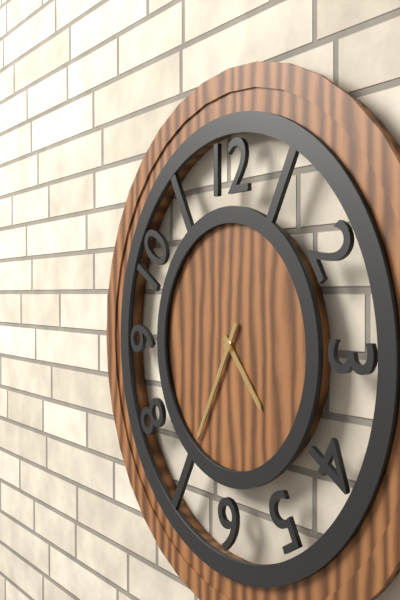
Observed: **4:35**
